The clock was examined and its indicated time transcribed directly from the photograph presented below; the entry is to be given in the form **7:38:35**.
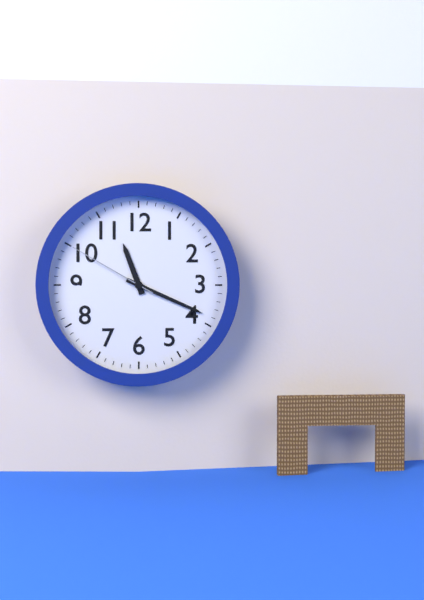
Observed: **11:19:50**
